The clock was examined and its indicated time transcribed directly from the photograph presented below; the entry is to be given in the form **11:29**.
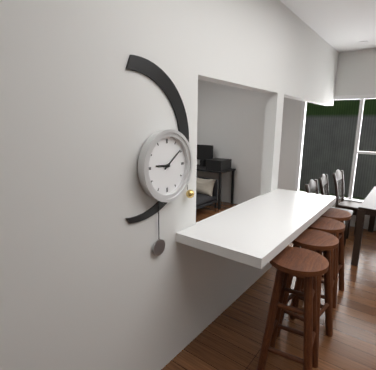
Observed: **9:09**
